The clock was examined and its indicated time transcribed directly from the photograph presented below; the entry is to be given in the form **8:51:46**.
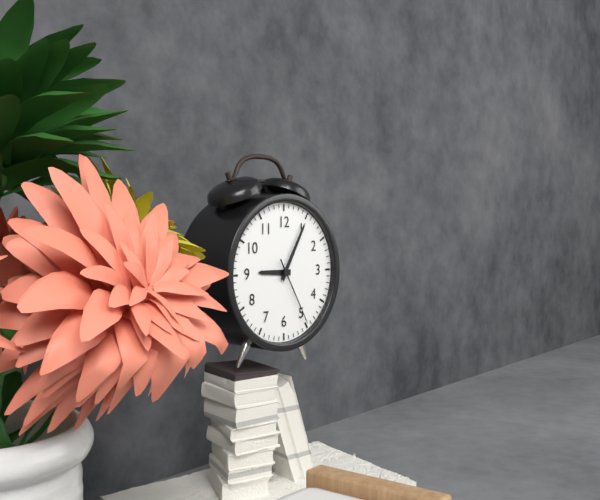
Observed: **9:05:25**
